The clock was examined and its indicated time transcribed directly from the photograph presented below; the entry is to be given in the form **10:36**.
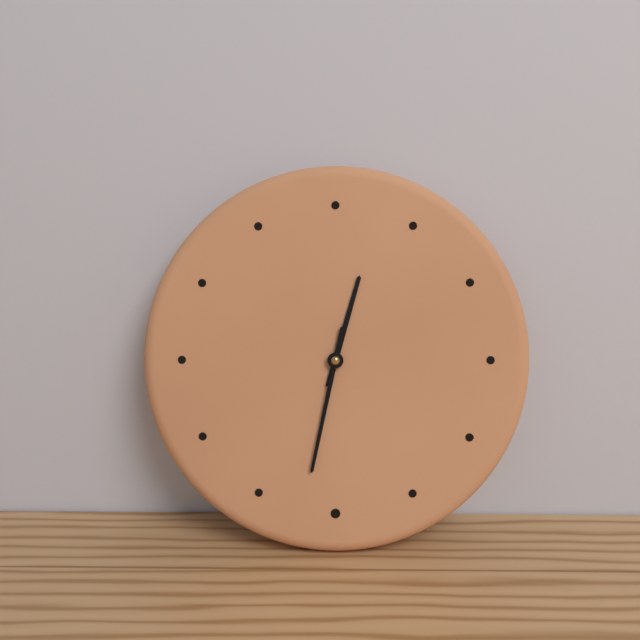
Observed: **12:32**
